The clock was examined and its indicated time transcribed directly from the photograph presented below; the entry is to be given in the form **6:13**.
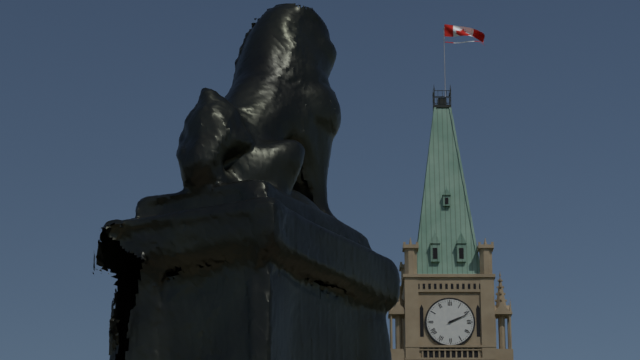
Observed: **2:11**
